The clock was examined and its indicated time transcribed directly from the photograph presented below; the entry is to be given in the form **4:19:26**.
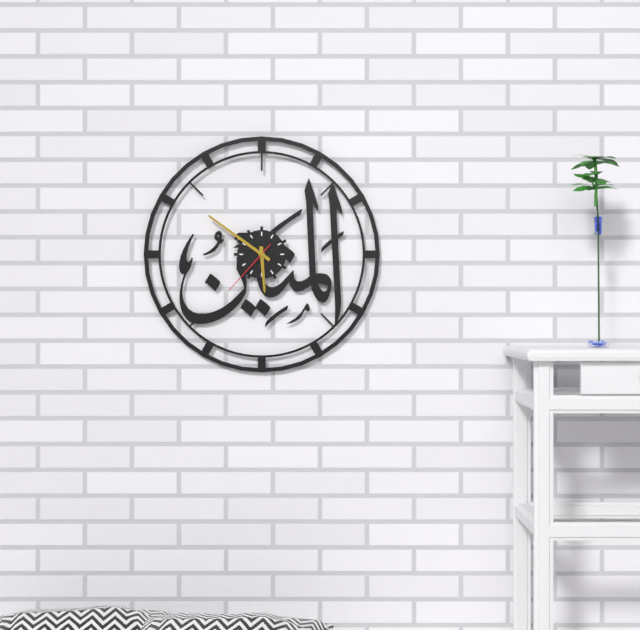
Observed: **5:51:37**
